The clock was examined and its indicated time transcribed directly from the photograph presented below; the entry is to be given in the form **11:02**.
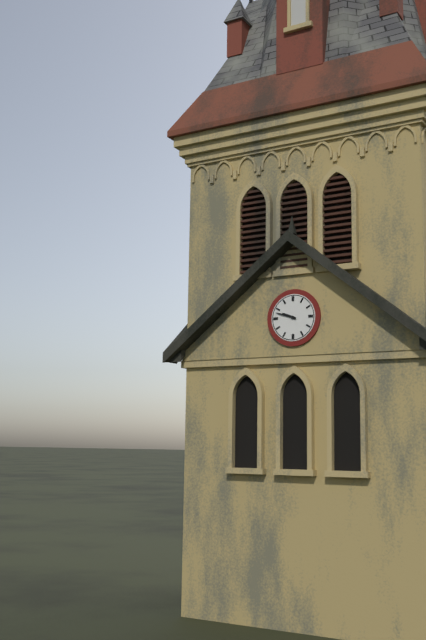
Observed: **9:48**
